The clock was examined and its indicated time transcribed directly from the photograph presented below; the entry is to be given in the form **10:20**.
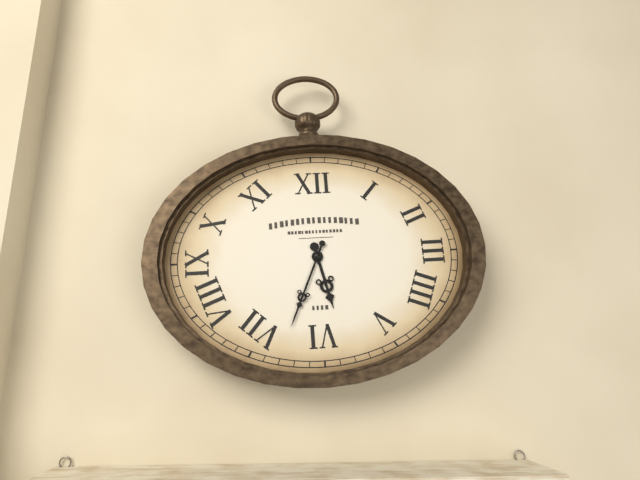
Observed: **5:34**
